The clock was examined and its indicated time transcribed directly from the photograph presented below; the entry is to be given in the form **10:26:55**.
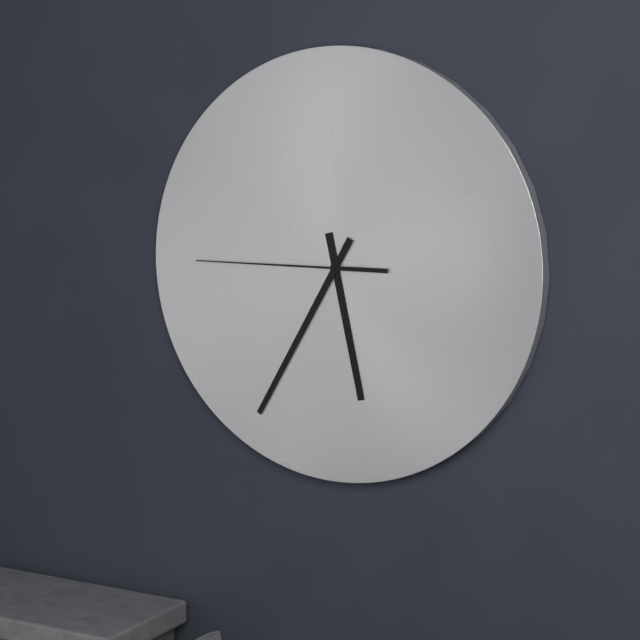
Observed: **5:35:45**
